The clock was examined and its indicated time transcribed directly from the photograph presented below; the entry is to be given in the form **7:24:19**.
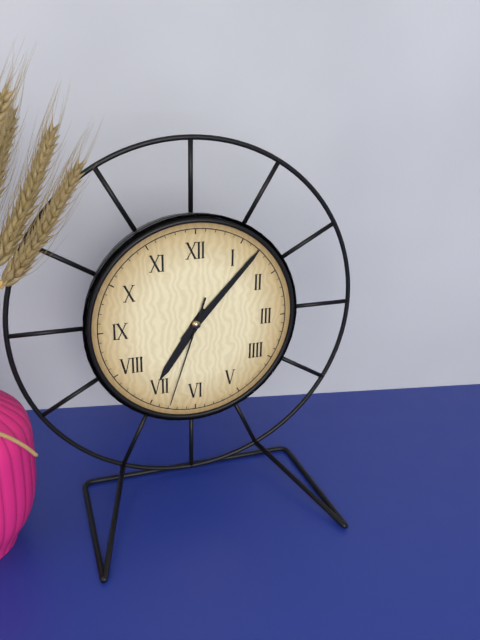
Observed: **7:07:33**
